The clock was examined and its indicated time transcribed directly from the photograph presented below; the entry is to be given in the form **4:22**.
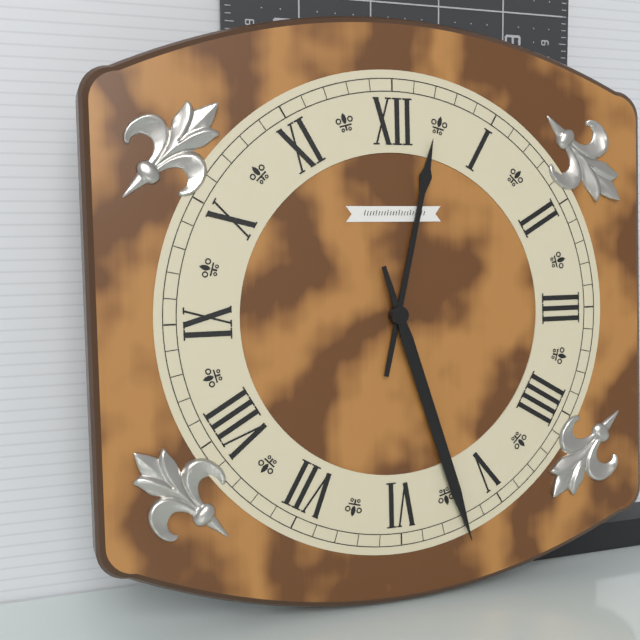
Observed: **12:27**
